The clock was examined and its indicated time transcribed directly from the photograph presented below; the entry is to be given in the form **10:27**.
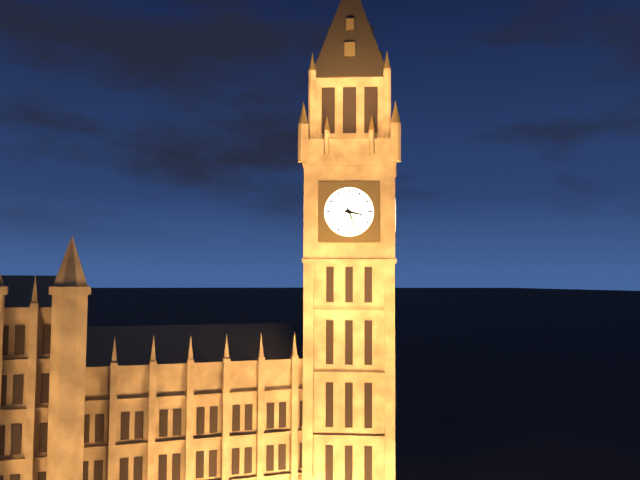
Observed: **3:26**
